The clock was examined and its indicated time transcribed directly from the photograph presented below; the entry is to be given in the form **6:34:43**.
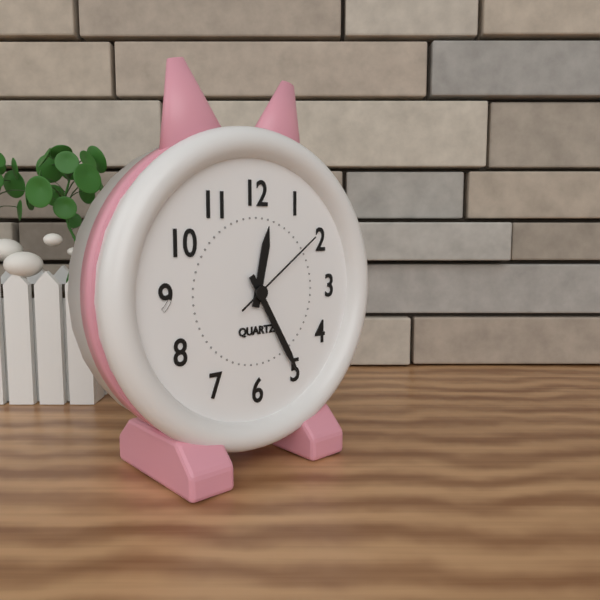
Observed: **12:25:09**
